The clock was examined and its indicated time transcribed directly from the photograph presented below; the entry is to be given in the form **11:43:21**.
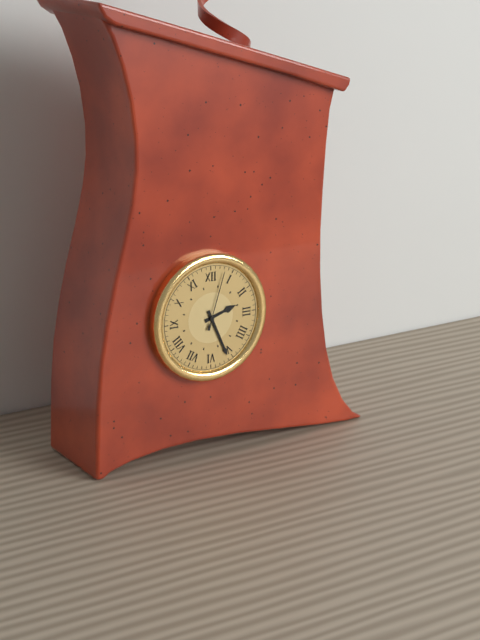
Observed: **2:26:03**
